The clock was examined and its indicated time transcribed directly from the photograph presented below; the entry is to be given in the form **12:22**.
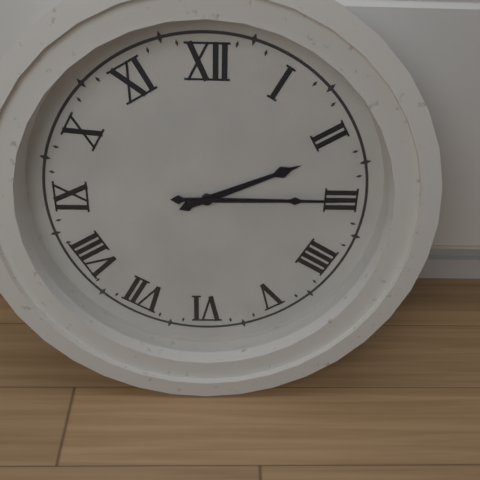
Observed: **2:15**
